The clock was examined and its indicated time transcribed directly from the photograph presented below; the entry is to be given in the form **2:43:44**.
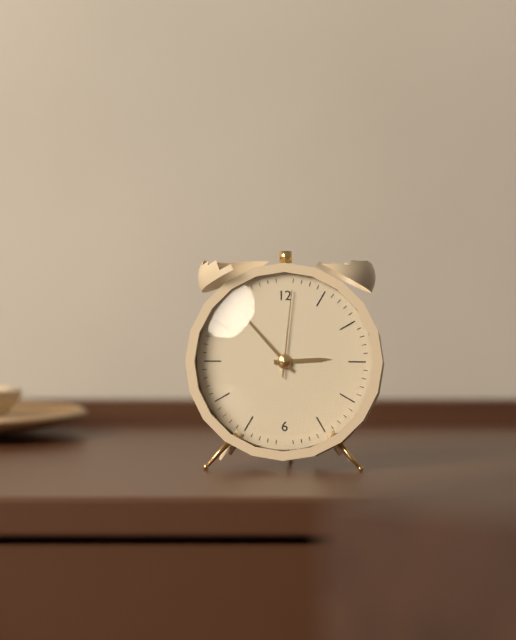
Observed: **2:53:01**
